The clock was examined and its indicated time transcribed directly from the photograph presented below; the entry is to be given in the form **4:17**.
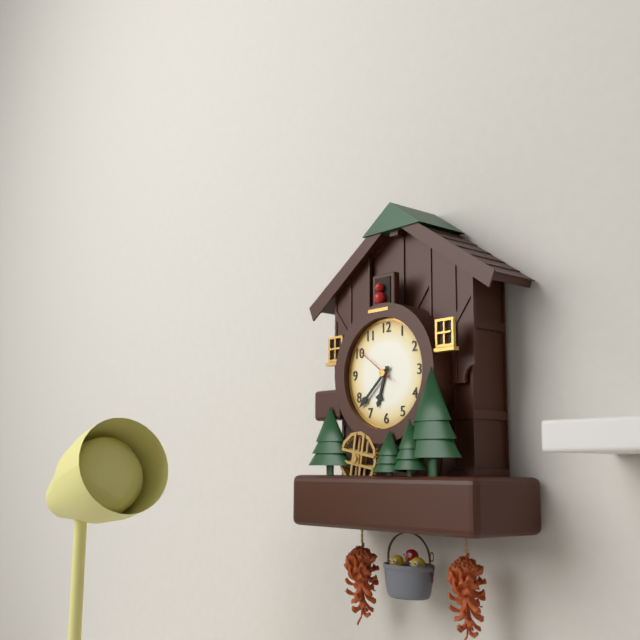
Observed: **6:38**
